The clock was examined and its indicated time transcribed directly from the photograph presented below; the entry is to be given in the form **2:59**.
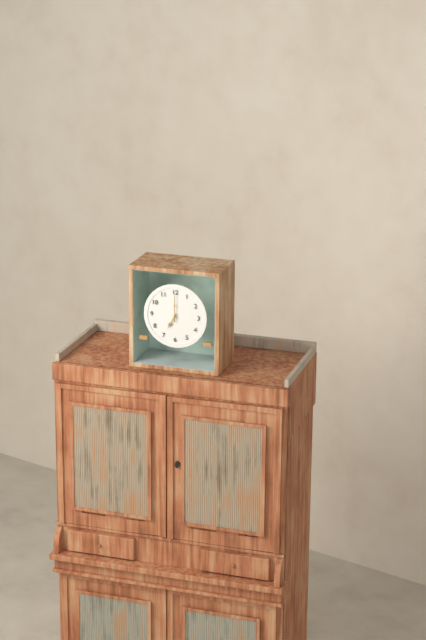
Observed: **7:00**
